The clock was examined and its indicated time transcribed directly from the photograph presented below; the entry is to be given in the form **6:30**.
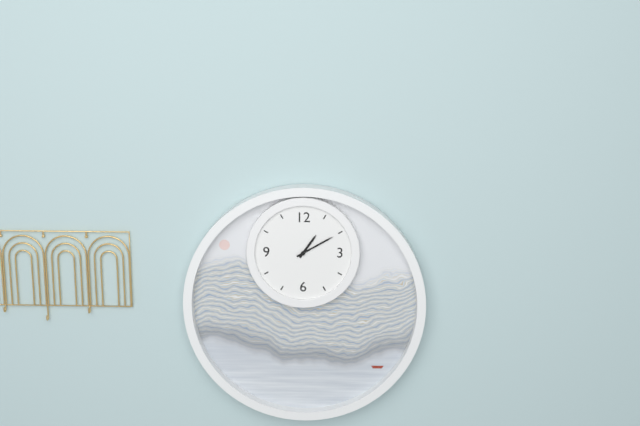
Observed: **1:10**
